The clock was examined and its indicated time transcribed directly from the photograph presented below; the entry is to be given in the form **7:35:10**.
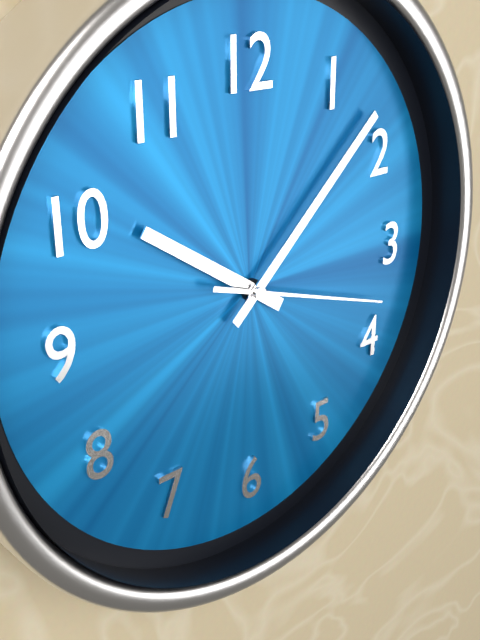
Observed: **10:08:18**
